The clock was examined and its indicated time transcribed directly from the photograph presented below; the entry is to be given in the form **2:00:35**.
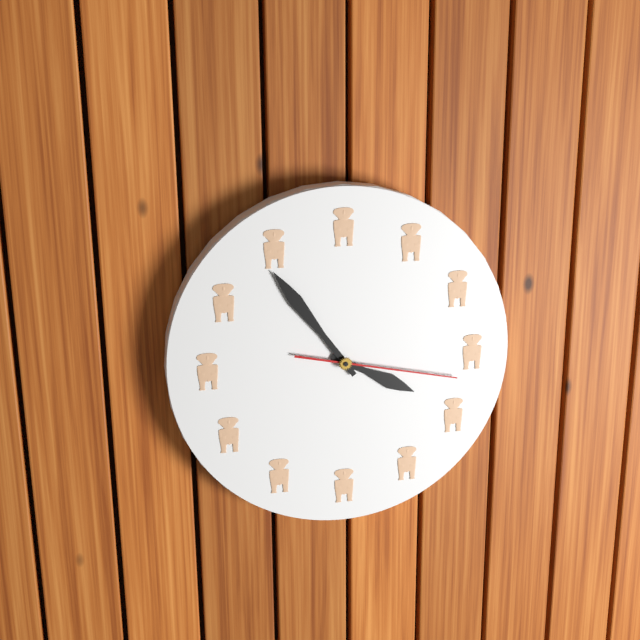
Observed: **3:54:17**
